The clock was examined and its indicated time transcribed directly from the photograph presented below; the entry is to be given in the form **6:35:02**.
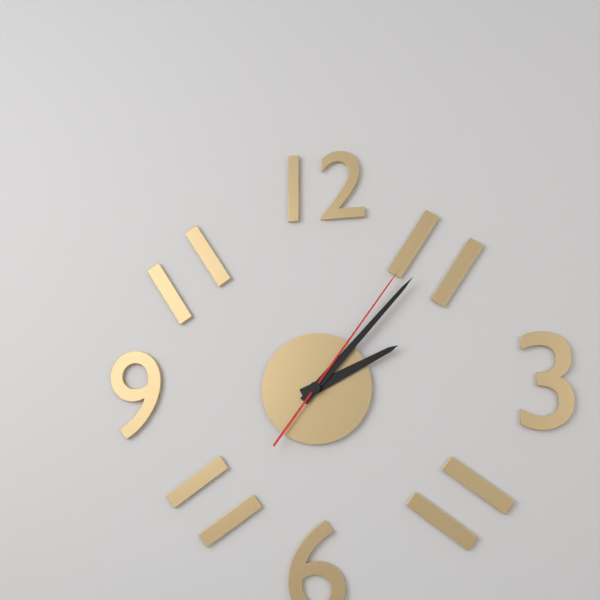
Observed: **2:07:06**
